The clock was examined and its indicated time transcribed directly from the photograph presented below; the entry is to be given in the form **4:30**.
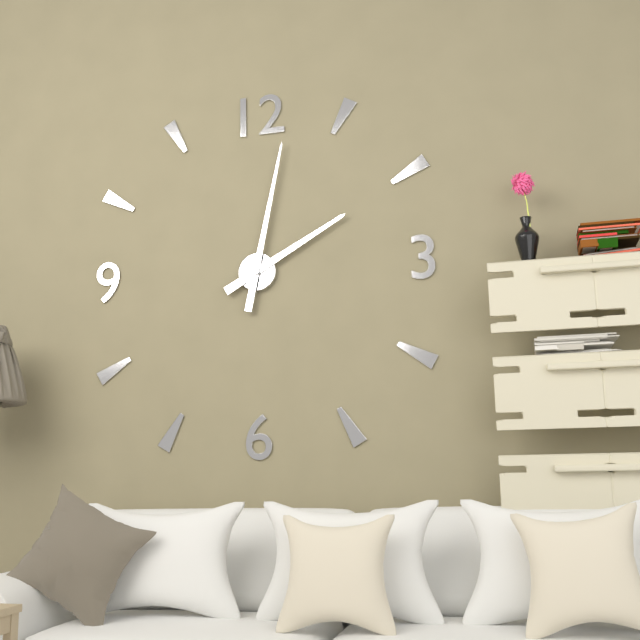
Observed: **2:02**
